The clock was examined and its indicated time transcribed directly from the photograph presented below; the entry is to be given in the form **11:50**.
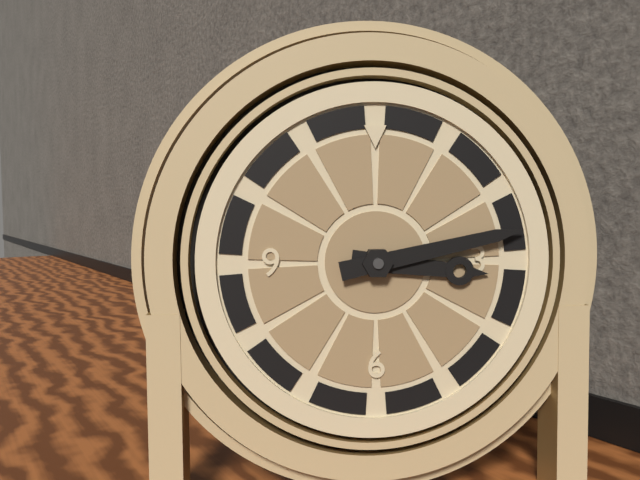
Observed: **3:13**
